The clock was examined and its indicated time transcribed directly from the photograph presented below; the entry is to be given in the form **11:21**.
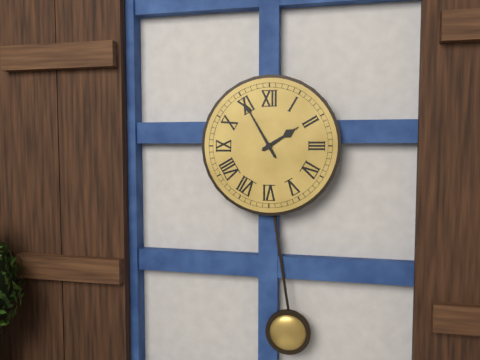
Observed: **1:55**
